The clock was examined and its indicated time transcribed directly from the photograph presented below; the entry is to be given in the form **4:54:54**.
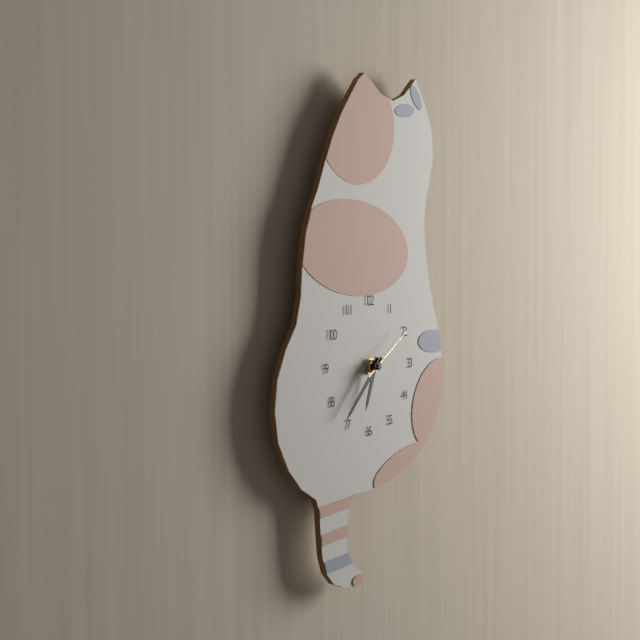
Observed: **6:37:09**
